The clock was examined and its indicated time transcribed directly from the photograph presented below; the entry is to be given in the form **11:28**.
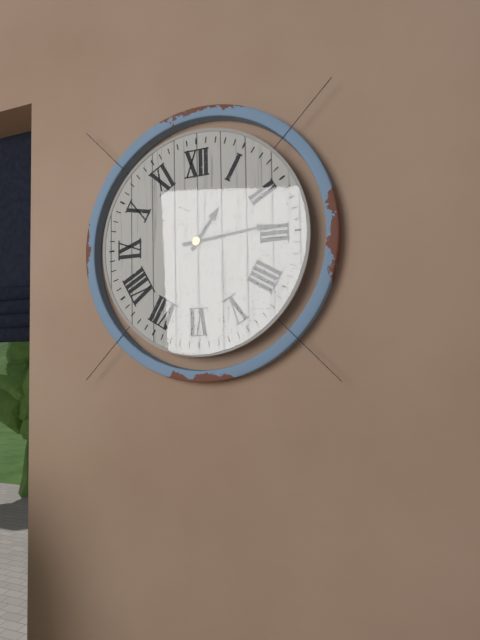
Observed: **1:14**
